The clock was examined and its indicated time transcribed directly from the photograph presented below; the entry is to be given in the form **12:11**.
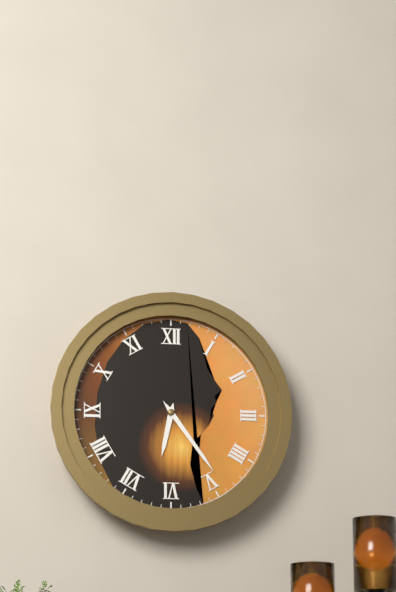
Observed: **6:24**
